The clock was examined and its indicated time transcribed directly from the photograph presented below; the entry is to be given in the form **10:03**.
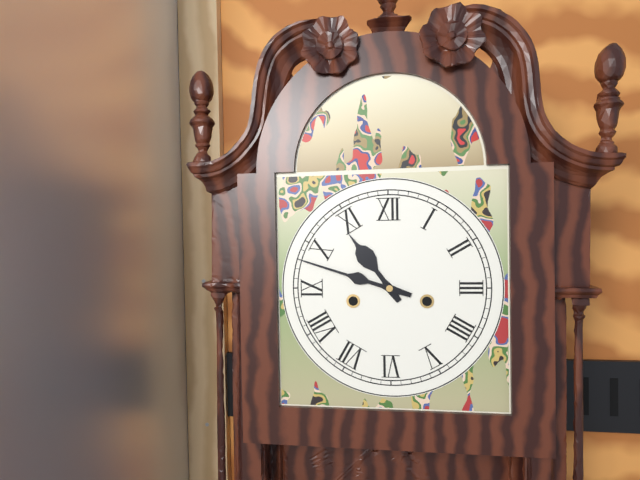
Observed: **10:48**
